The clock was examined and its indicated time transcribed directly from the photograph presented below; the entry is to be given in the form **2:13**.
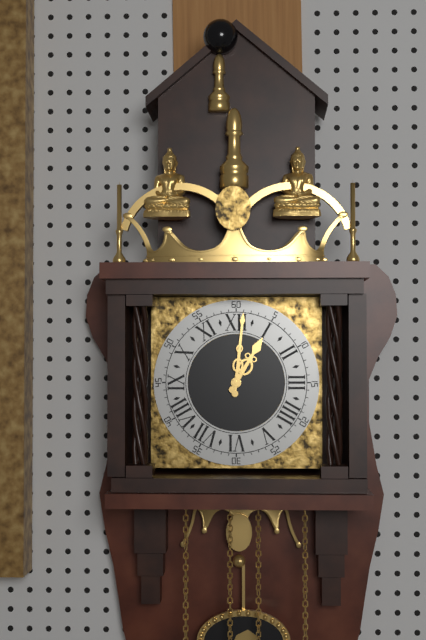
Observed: **1:01**
